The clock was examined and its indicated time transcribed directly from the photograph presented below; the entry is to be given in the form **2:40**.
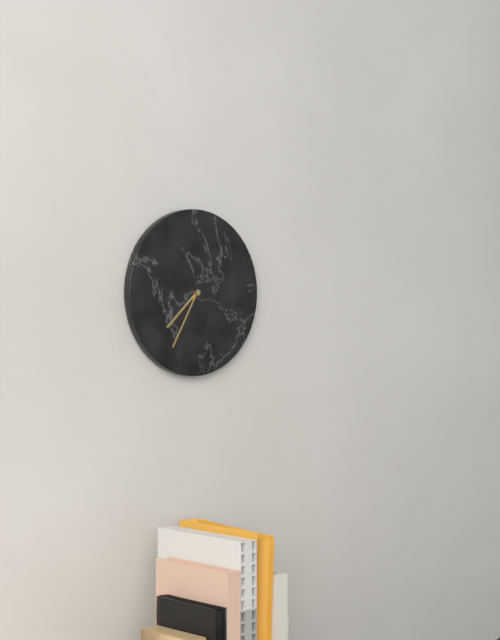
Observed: **7:35**
